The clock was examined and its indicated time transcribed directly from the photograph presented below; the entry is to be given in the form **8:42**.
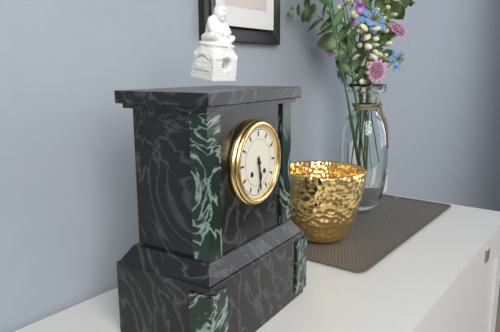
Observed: **5:29**
